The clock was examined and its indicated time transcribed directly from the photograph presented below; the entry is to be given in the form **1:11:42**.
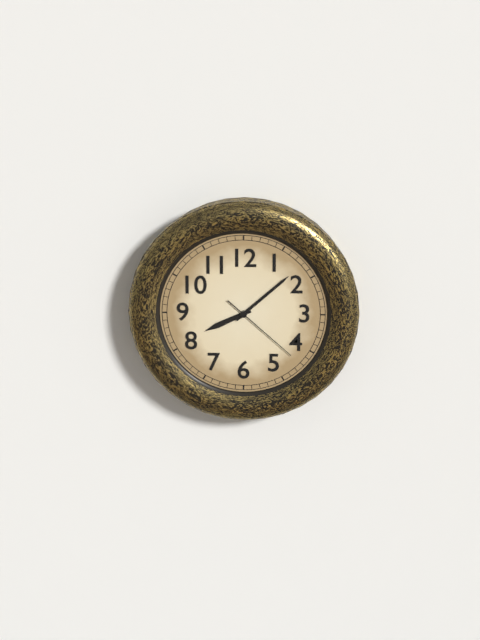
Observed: **8:08:22**
